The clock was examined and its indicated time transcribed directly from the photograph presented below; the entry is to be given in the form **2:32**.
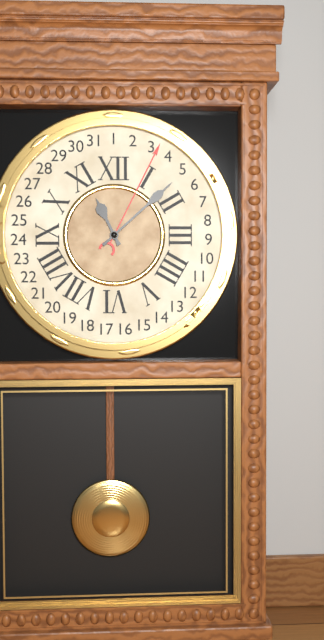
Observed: **11:08**
